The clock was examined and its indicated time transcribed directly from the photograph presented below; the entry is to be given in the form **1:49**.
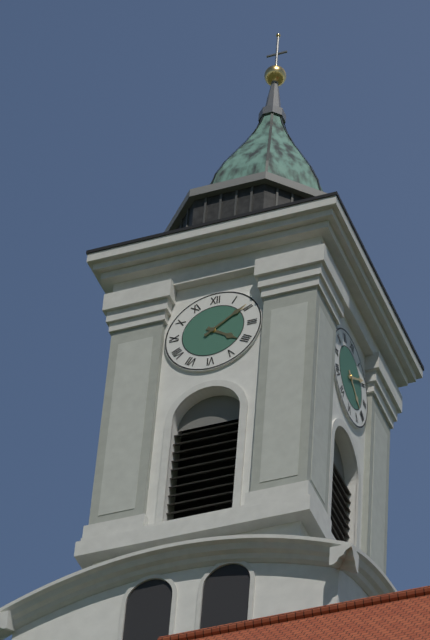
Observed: **4:09**
